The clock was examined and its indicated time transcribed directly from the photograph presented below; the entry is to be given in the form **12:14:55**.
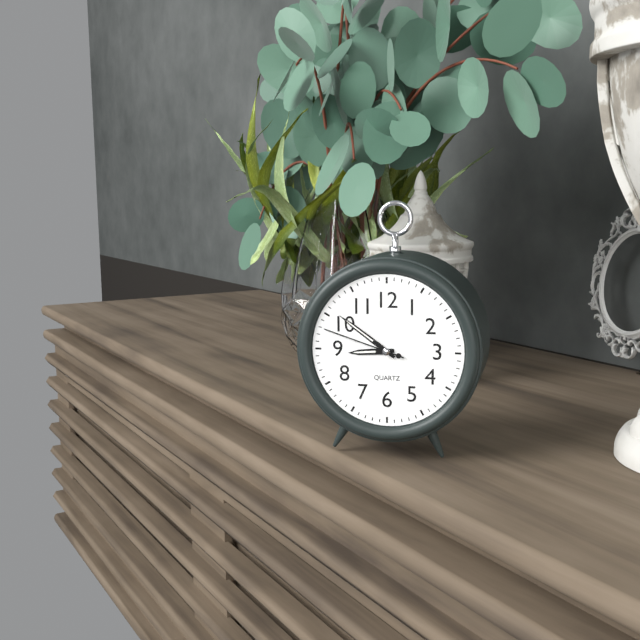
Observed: **8:51:48**
